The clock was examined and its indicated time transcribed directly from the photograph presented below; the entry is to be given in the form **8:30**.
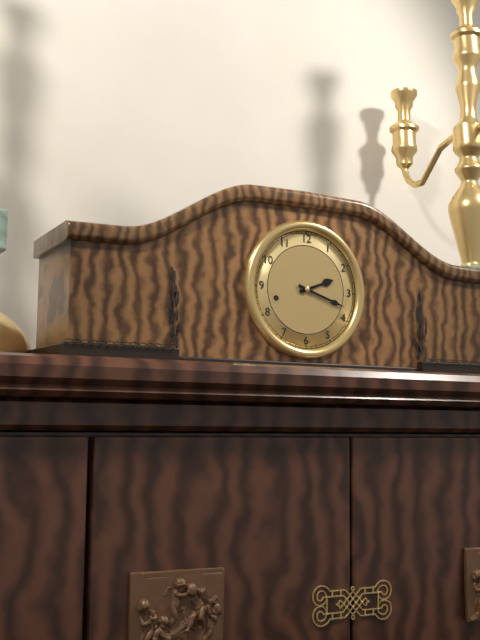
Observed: **2:18**
